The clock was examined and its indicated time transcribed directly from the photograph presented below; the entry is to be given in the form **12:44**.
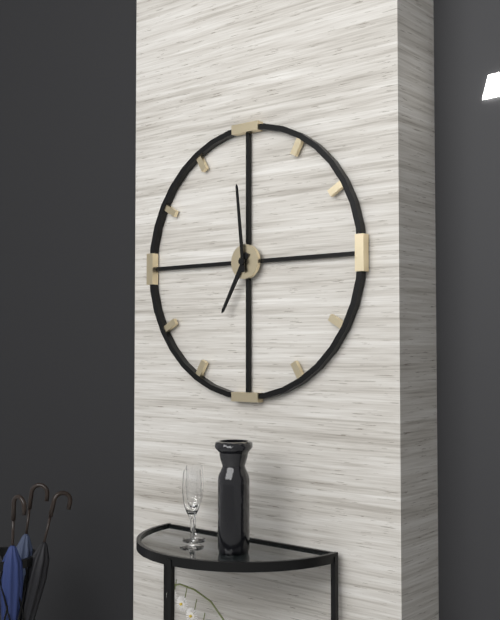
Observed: **6:59**
